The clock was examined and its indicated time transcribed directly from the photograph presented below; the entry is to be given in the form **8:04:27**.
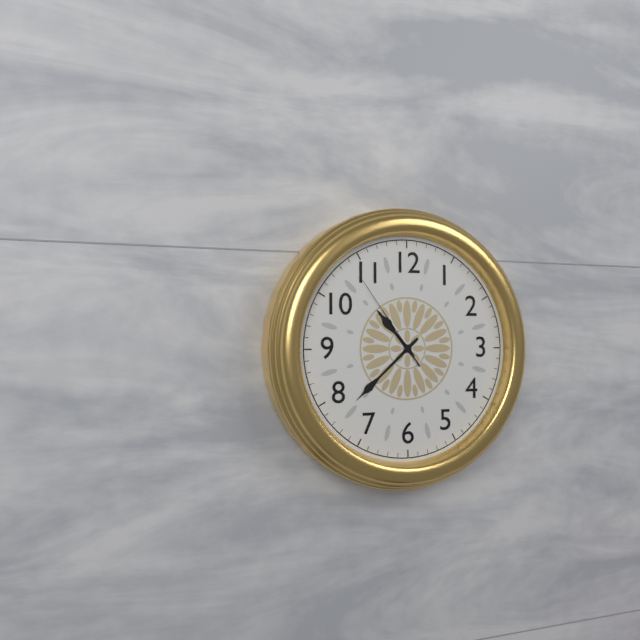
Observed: **10:38:54**
